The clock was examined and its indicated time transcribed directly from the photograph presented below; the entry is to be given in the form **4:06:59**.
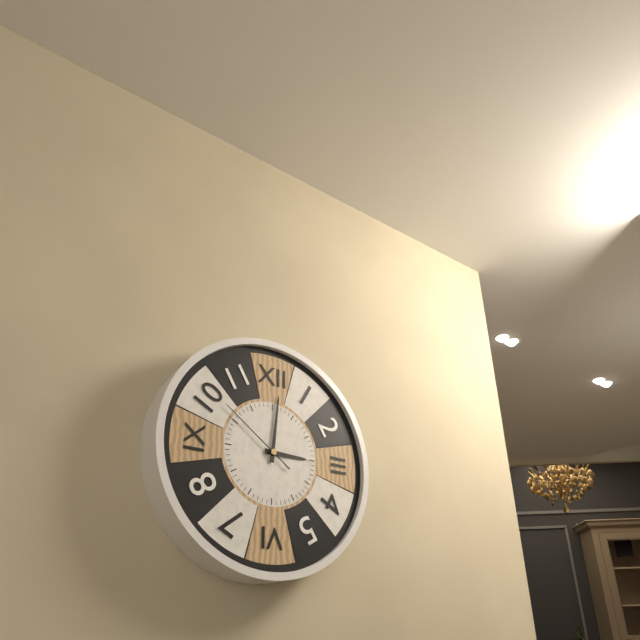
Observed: **3:01:51**
